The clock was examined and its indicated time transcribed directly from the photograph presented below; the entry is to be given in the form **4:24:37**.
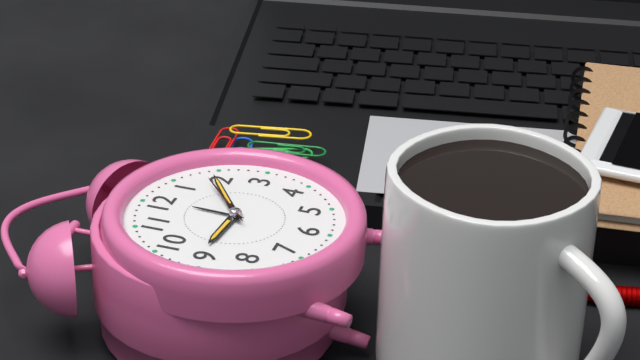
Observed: **9:09:08**
